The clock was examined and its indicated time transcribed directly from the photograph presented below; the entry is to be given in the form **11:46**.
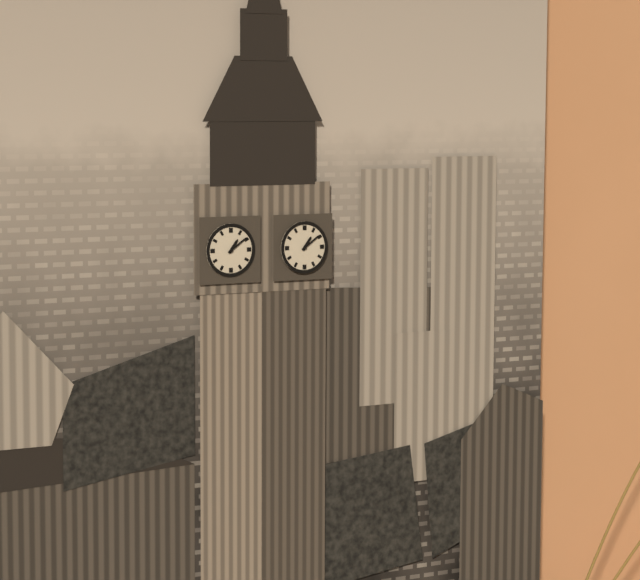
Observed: **1:09**
